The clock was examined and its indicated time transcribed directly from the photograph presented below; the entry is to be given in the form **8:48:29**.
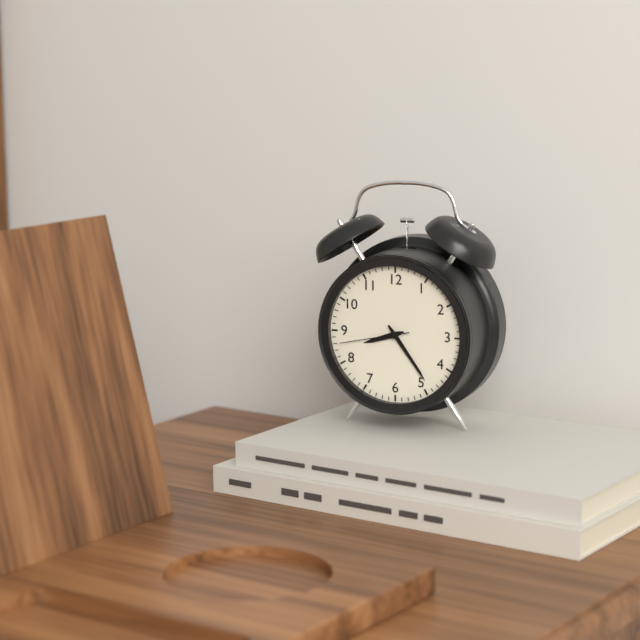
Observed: **8:24:43**
